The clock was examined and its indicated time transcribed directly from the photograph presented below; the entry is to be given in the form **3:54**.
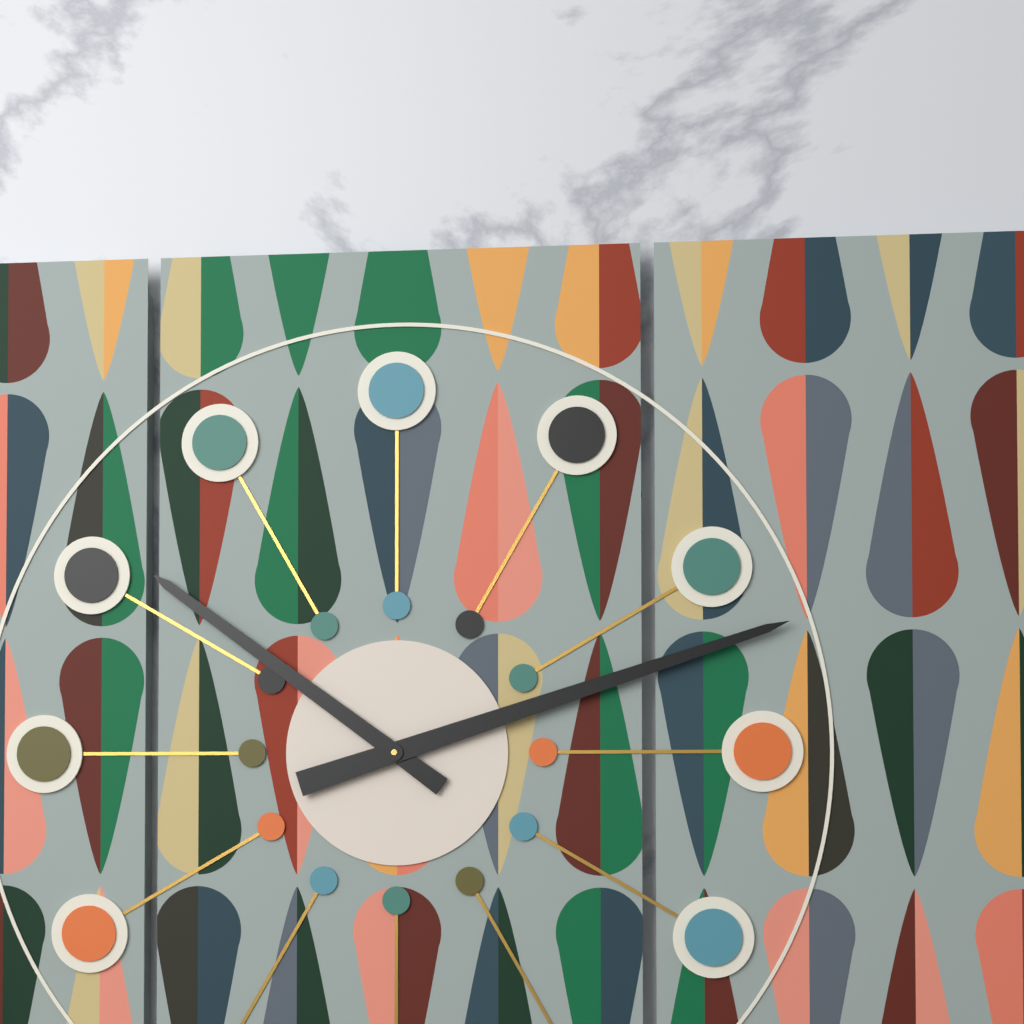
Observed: **10:12**
